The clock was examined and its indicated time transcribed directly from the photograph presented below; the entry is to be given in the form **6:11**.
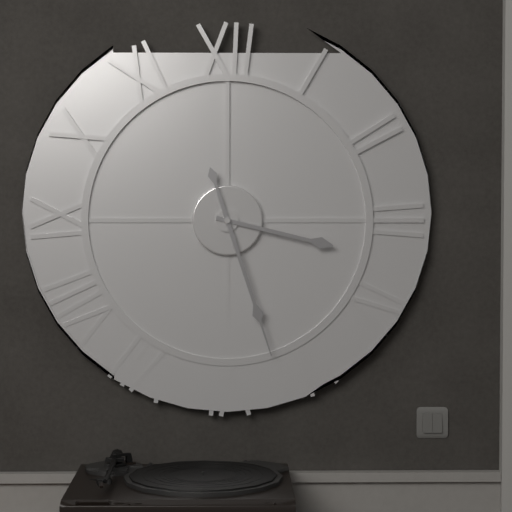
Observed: **3:27**
